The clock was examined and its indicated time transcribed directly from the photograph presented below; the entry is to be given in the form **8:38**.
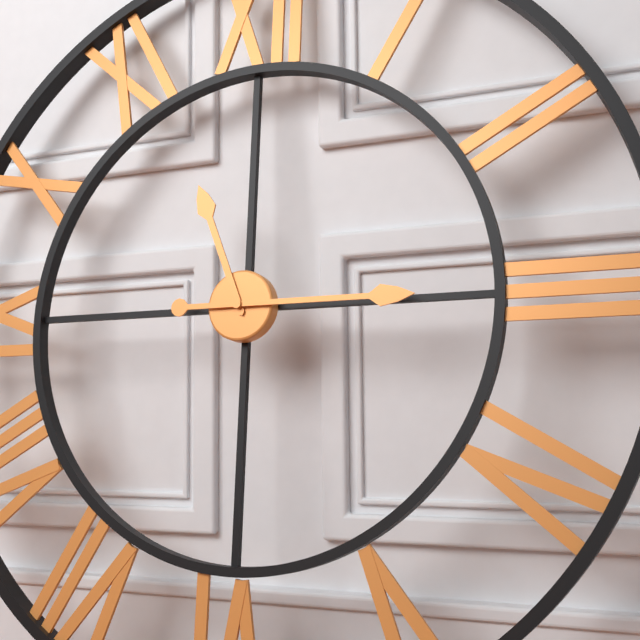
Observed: **11:15**
